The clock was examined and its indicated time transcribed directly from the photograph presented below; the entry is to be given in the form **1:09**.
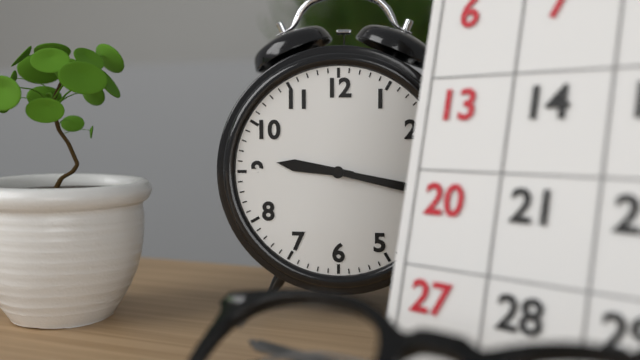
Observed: **9:17**
